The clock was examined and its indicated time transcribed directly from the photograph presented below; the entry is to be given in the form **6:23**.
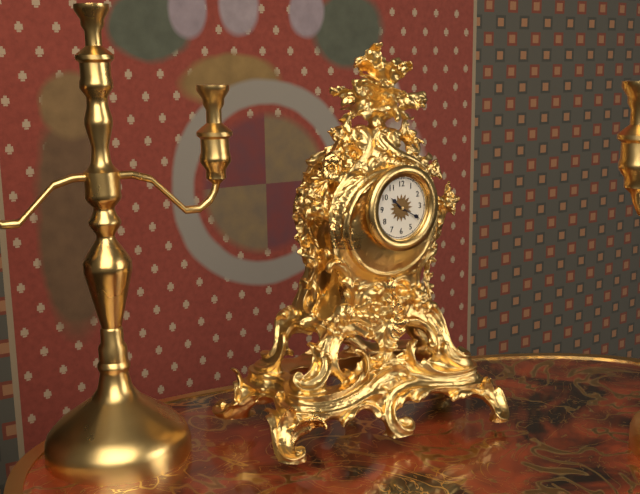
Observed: **10:20**
